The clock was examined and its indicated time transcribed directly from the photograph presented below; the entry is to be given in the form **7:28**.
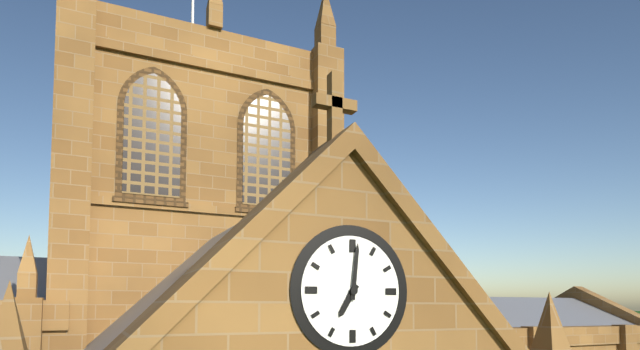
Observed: **7:01**
